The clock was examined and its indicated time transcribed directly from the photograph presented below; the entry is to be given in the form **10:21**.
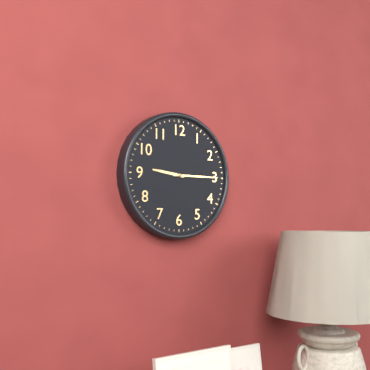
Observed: **9:15**
